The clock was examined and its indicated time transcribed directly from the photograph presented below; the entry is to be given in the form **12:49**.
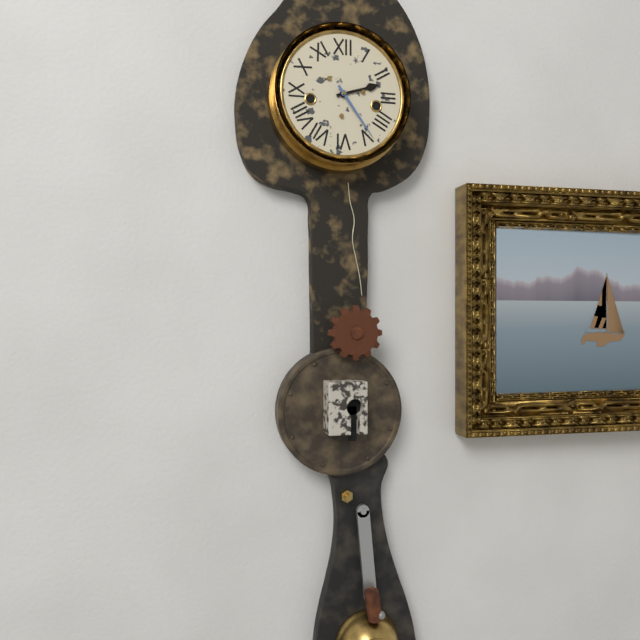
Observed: **2:24**
